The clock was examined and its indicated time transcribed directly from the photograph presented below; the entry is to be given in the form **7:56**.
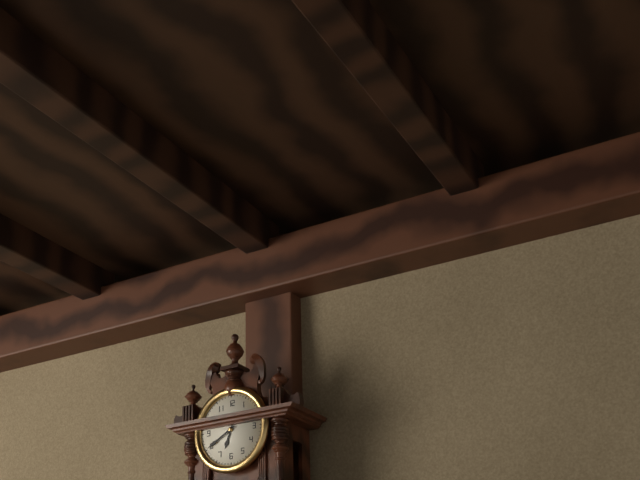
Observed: **6:40**
